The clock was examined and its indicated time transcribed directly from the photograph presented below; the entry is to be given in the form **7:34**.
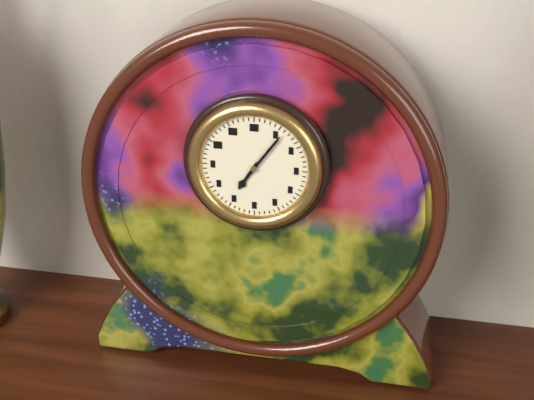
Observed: **7:06**
